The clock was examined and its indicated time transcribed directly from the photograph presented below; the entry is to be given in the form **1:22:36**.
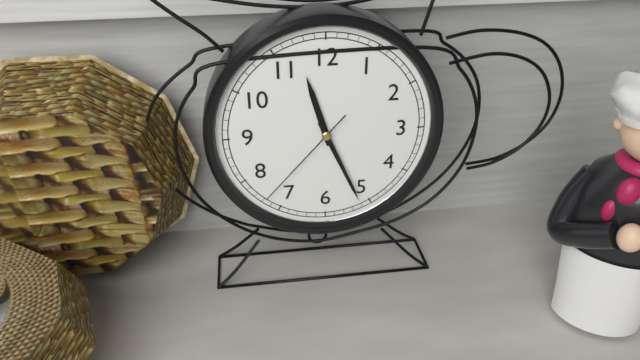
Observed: **11:26:37**
